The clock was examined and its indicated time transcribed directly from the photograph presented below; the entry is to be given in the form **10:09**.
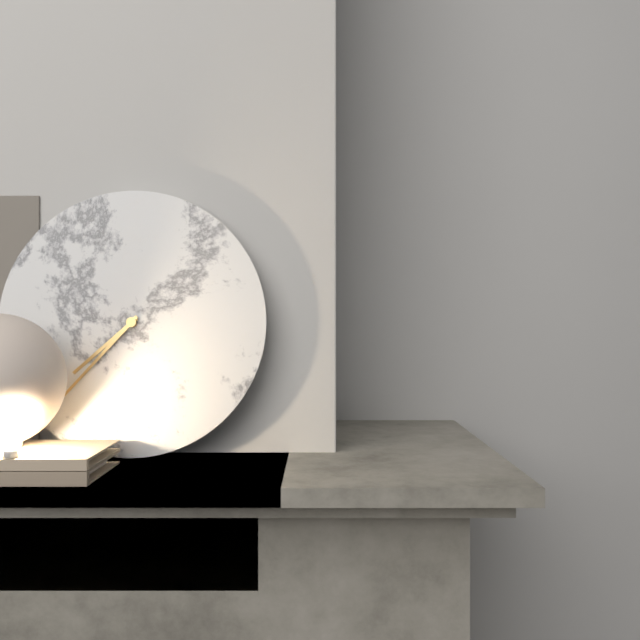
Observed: **7:37**
